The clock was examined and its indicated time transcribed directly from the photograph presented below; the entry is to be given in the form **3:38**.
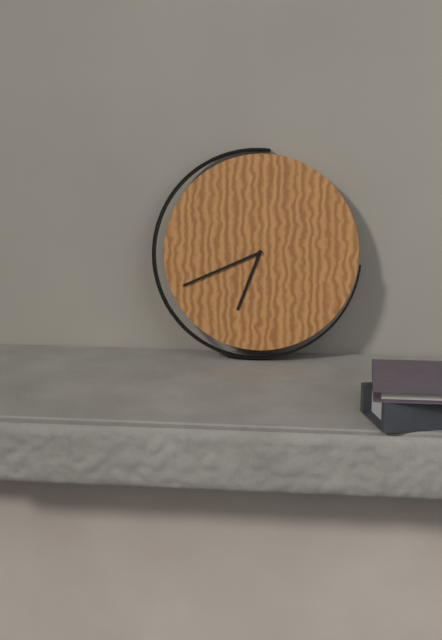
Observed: **6:41**
